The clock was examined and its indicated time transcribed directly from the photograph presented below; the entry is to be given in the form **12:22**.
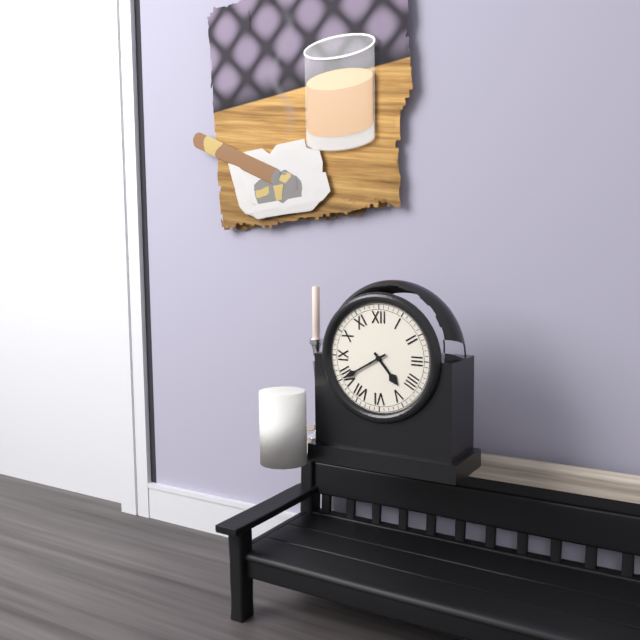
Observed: **4:40**
